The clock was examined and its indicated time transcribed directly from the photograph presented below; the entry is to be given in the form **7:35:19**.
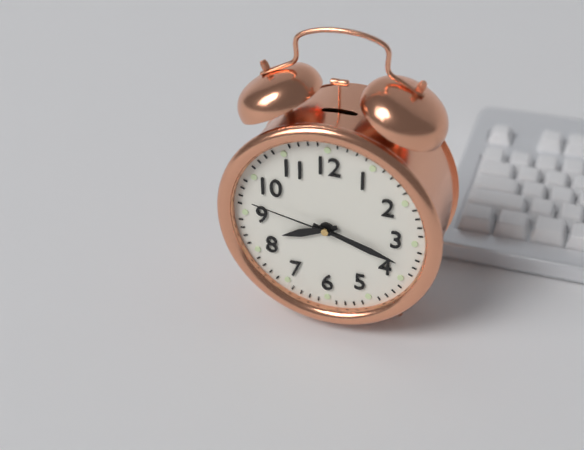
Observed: **8:18:47**
